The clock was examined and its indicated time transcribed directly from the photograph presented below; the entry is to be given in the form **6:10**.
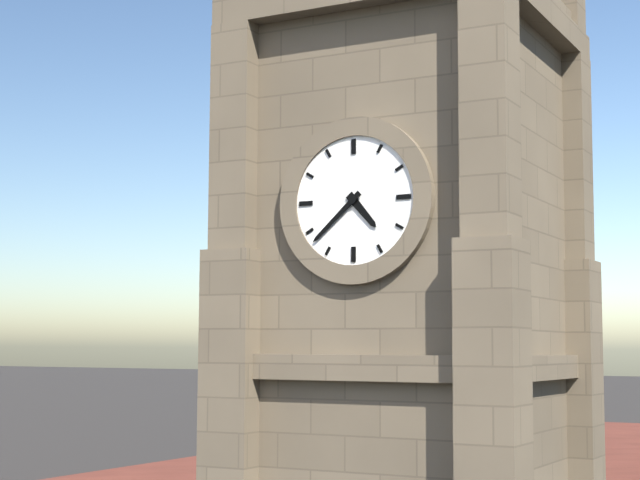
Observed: **4:38**
